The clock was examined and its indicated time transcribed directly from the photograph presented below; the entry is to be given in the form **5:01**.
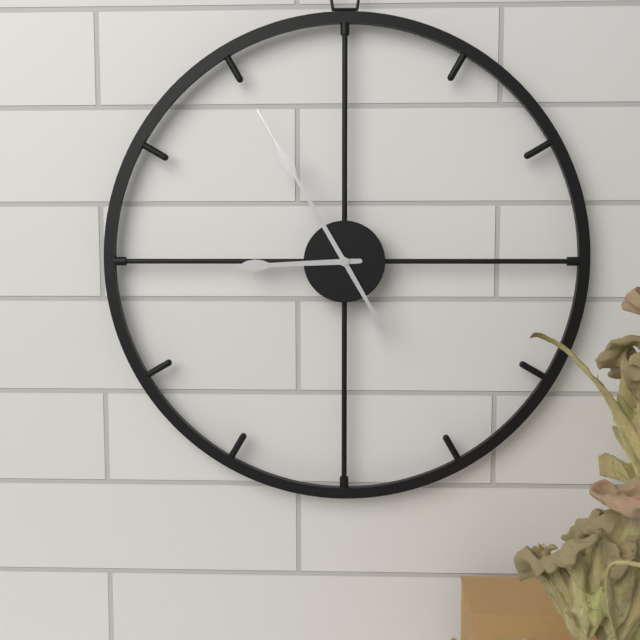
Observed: **8:55**
